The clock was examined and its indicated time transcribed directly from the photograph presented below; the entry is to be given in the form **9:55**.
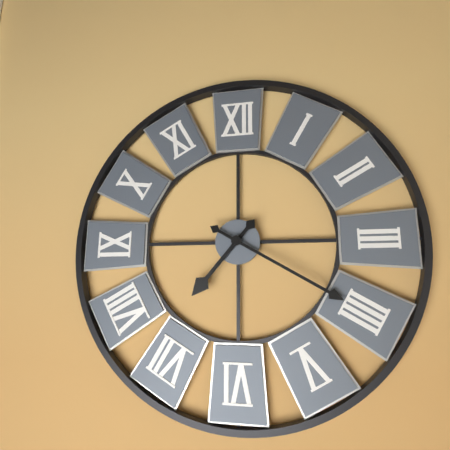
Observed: **7:20**
